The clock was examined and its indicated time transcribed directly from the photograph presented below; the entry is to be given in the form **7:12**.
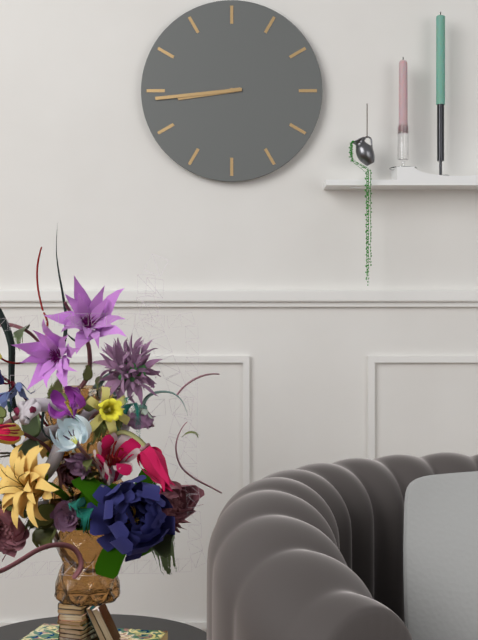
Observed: **8:44**
